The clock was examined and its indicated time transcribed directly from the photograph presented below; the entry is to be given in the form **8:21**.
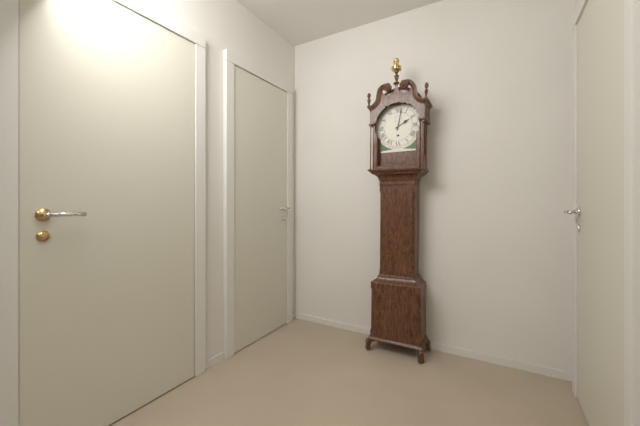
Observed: **2:02**
